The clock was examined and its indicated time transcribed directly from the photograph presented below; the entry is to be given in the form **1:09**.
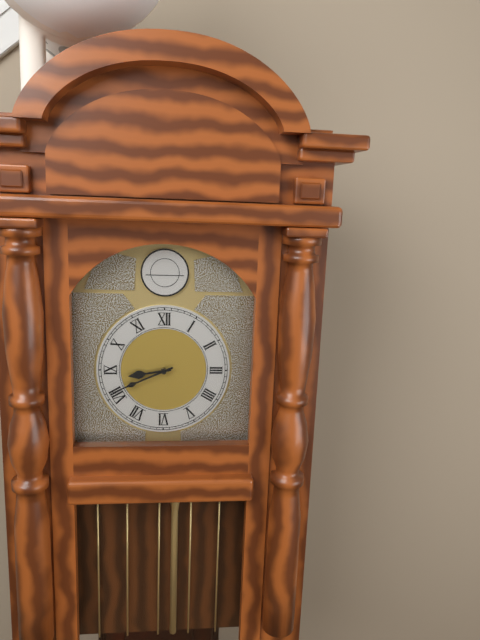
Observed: **8:41**
